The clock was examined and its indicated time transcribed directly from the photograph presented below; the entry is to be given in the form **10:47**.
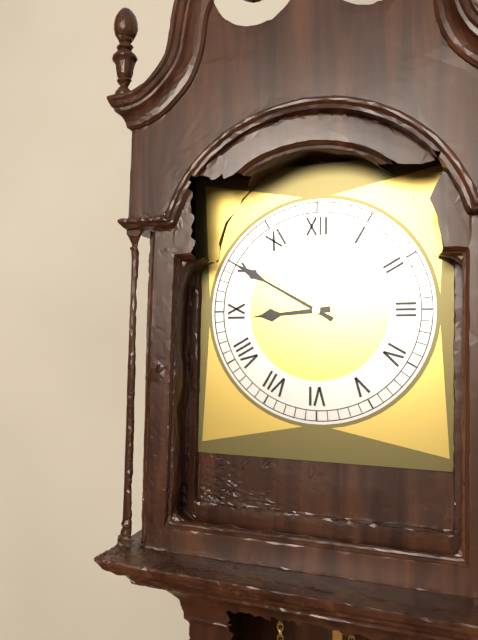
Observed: **8:50**
